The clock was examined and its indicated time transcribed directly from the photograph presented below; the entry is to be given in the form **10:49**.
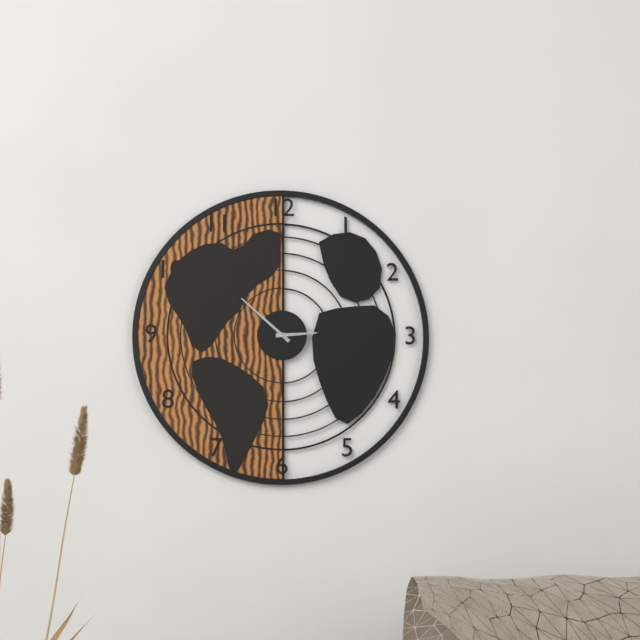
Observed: **2:52**
